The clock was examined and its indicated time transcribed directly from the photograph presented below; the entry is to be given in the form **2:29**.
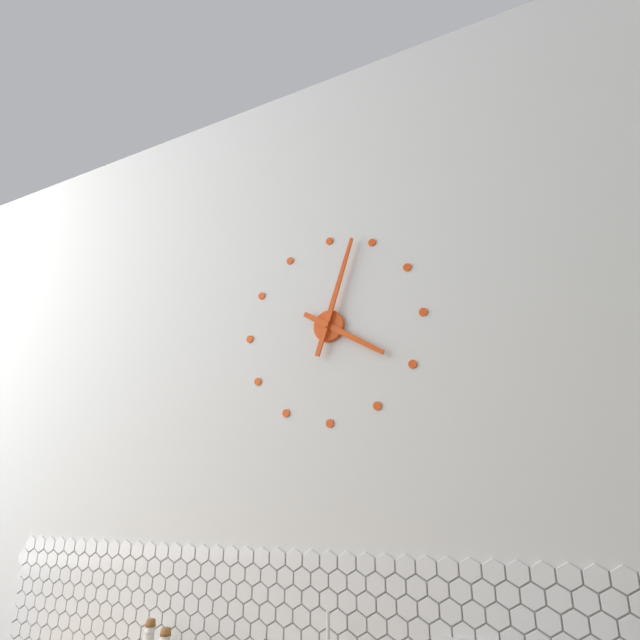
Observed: **4:03**
